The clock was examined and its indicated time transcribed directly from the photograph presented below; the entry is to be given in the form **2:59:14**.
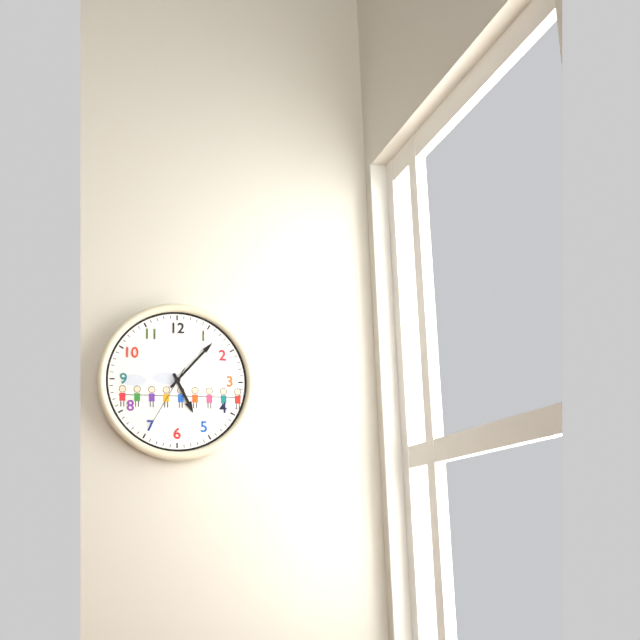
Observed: **5:07:35**
